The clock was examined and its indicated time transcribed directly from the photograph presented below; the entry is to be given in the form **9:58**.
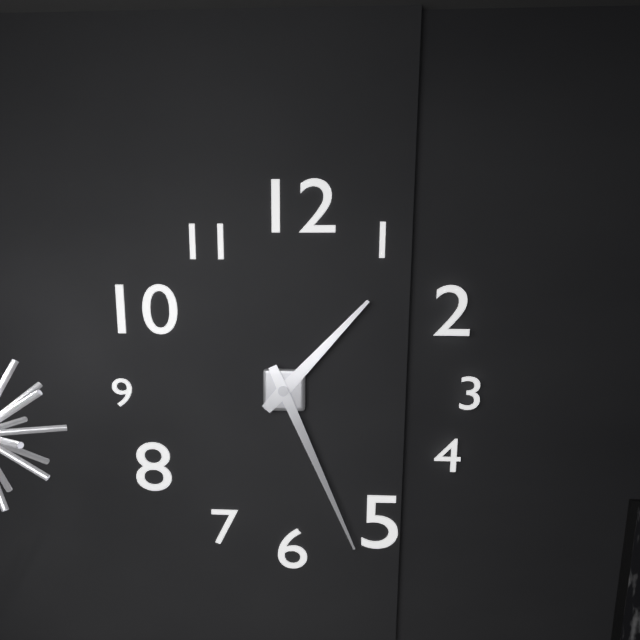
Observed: **1:26**
